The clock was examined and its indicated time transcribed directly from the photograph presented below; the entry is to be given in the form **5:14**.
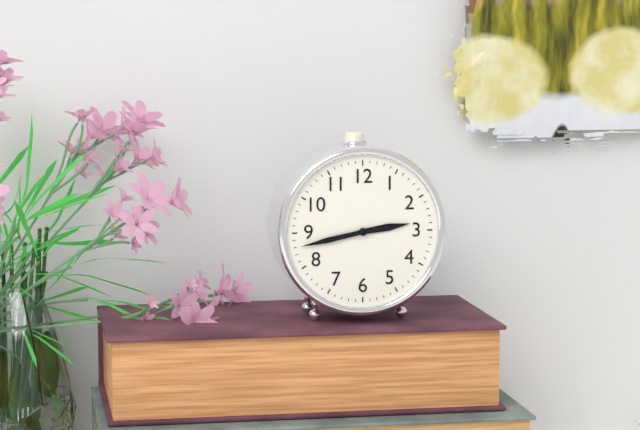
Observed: **2:43**
